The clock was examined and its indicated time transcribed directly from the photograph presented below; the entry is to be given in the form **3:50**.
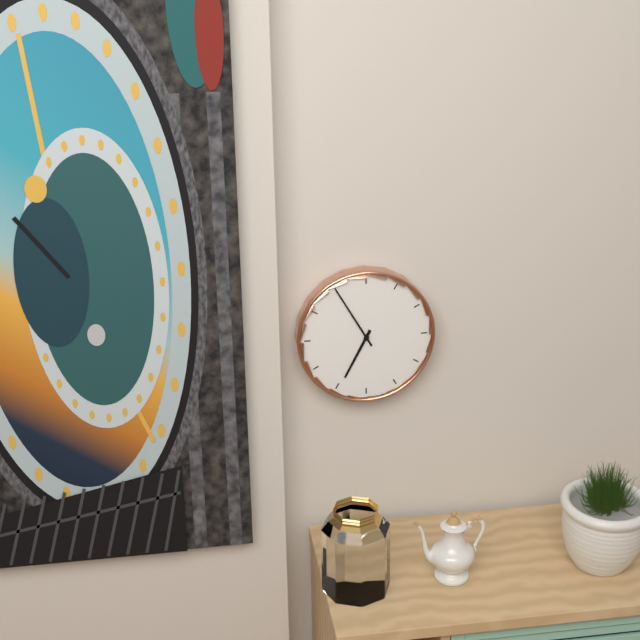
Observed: **6:55**
